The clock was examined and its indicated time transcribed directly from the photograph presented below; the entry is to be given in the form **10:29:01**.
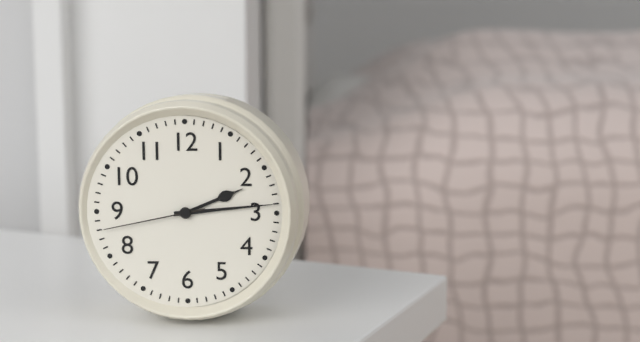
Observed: **2:14:43**
